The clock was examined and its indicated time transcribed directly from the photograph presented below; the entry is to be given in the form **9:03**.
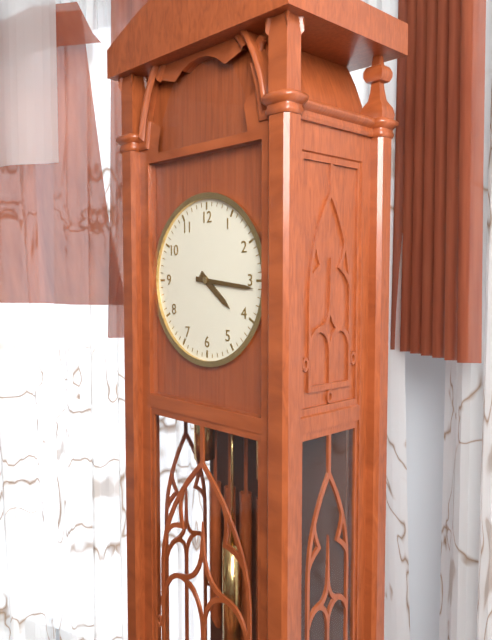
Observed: **4:16**
